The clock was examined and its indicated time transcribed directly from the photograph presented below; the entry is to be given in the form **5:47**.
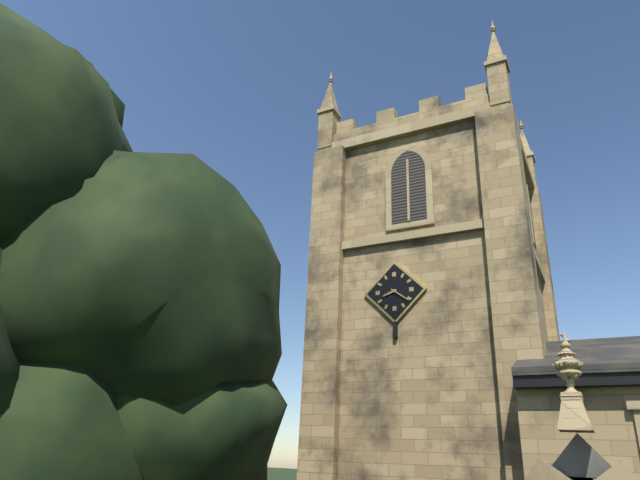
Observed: **8:21**
